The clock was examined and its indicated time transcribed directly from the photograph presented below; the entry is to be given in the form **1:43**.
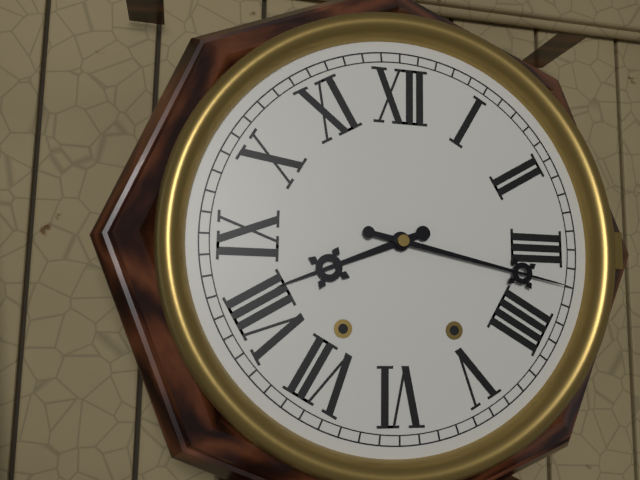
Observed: **8:17**
